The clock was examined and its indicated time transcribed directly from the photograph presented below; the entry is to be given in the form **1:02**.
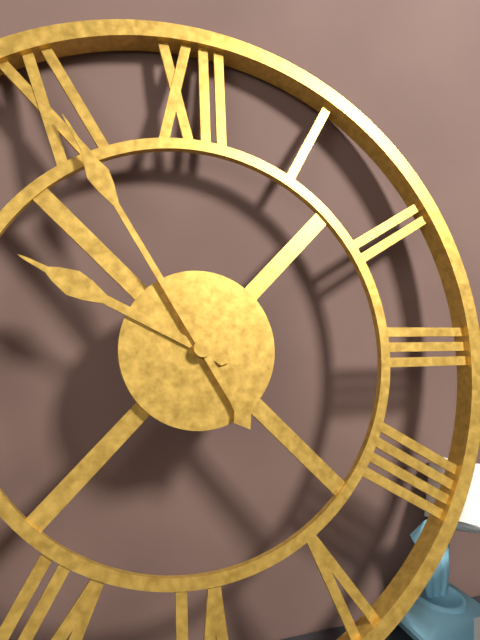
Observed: **9:55**
